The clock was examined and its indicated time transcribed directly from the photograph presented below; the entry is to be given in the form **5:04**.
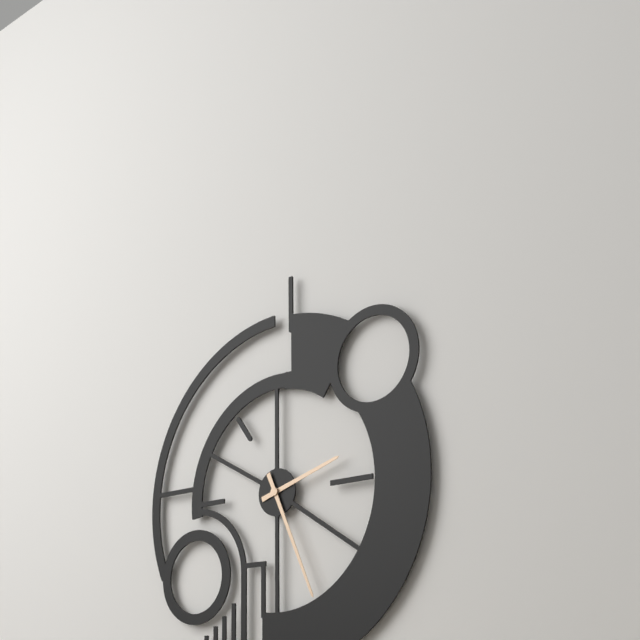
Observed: **2:26**
